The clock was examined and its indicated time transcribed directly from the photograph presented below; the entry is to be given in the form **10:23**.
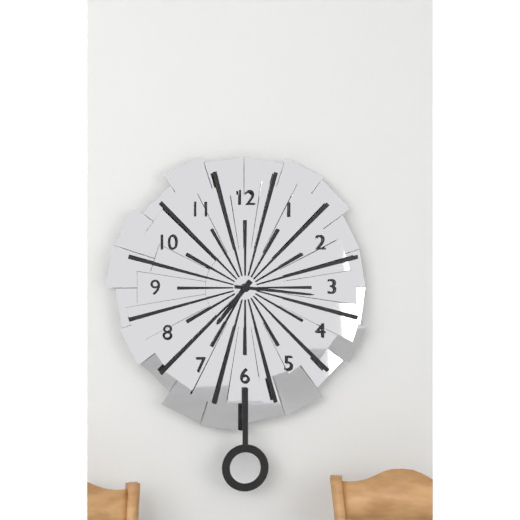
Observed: **7:16**
